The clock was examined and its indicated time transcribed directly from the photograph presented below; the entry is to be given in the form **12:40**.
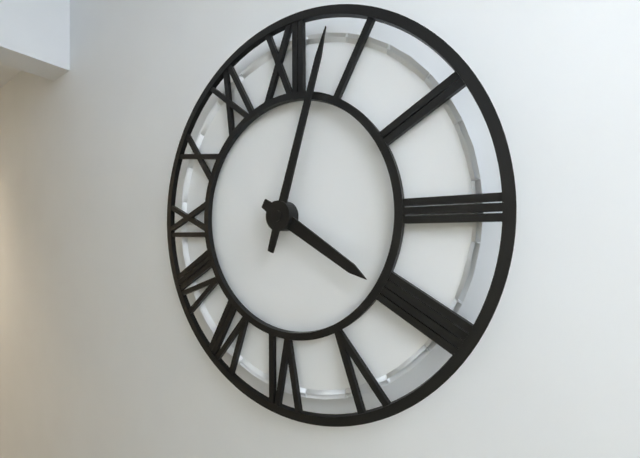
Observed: **4:03**
